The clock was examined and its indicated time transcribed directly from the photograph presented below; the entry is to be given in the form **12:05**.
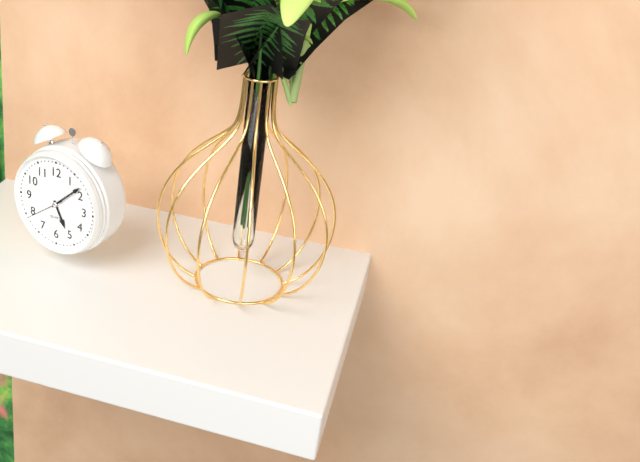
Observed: **5:08**
